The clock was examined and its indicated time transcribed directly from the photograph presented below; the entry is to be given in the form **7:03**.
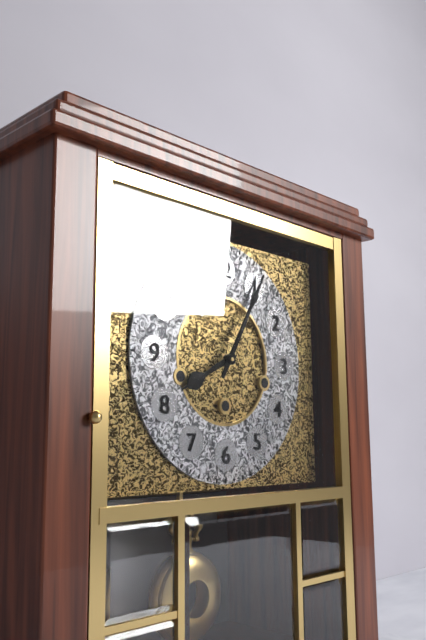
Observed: **8:05**
